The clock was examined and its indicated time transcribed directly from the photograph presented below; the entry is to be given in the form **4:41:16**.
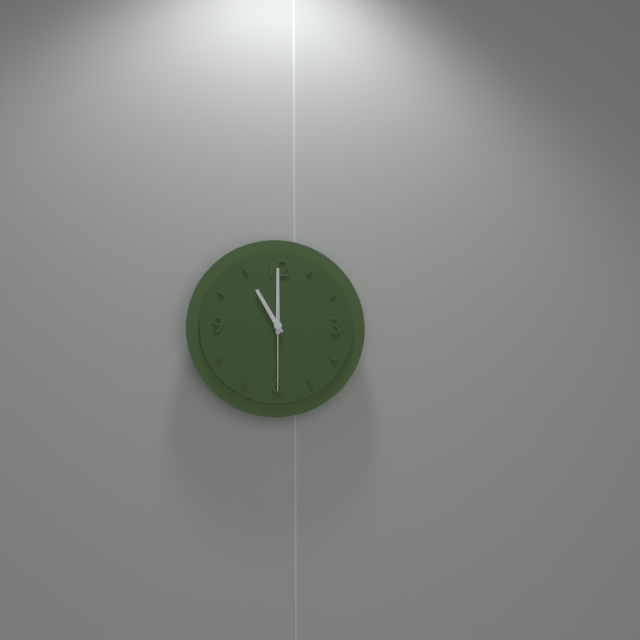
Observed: **11:00:30**
